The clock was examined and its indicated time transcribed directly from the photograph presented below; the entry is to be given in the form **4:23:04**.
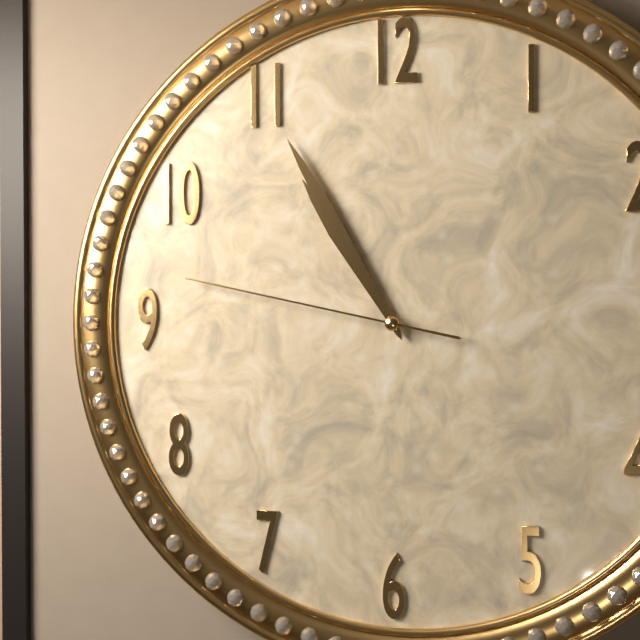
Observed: **10:55:47**
